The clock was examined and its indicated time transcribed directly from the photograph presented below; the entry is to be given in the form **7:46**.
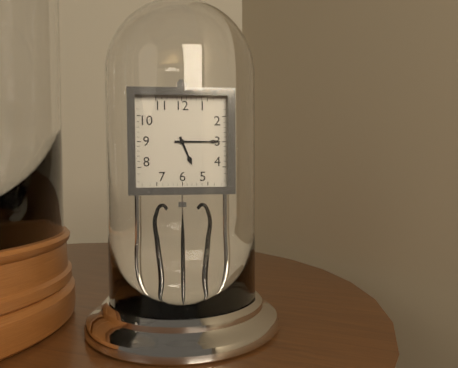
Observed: **5:15**
